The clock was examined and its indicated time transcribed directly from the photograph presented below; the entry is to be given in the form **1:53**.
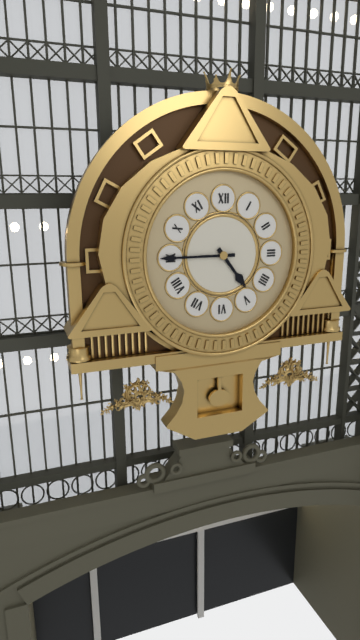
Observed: **4:45**
